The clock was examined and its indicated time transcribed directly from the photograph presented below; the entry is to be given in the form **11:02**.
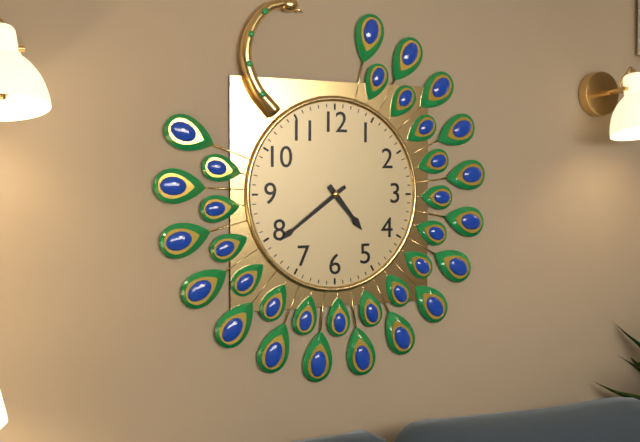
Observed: **4:39**
